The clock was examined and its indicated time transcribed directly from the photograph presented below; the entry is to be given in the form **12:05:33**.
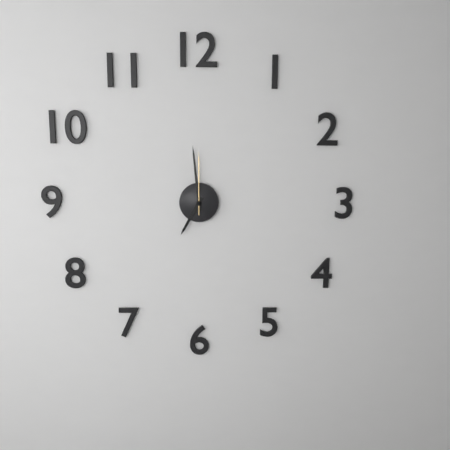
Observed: **6:59:00**
